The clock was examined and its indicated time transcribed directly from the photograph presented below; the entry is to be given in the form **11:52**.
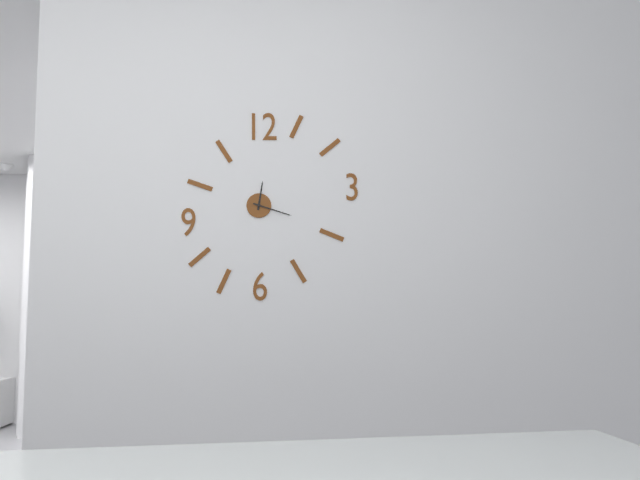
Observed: **12:18**
